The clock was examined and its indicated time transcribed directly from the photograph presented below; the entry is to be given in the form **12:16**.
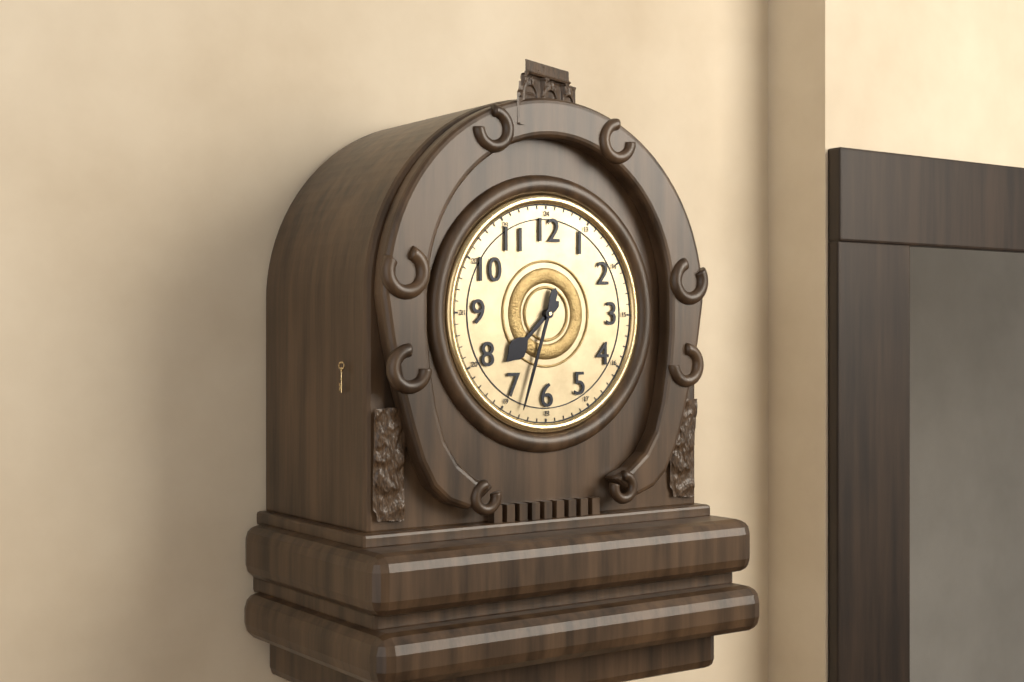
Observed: **7:33**
